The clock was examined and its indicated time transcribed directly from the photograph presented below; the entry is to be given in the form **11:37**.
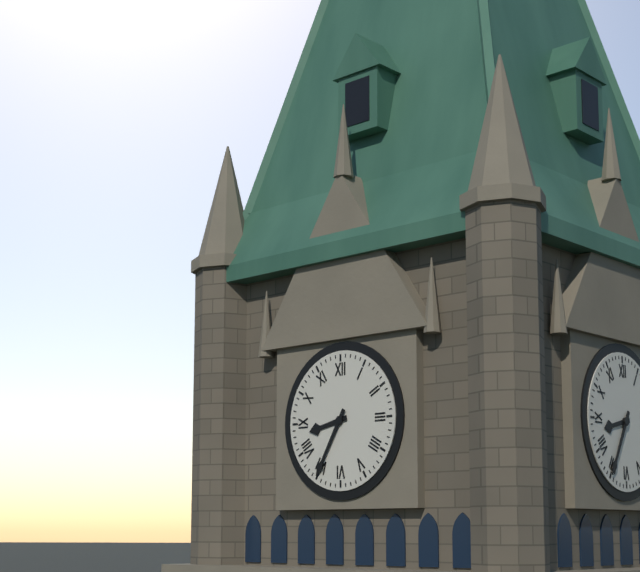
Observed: **8:35**
